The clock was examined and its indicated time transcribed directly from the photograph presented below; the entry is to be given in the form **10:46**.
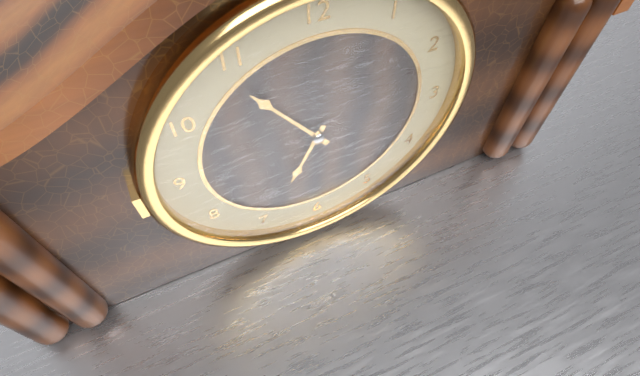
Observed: **6:54**
